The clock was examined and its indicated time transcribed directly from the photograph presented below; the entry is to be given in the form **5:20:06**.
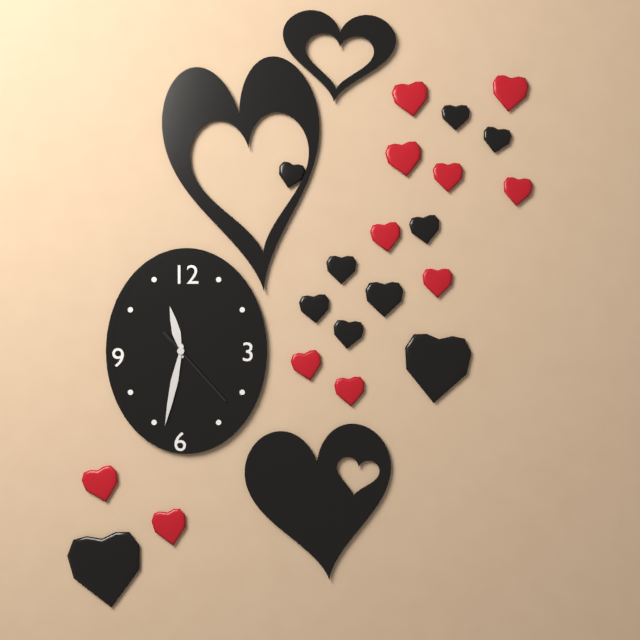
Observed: **11:32:23**
